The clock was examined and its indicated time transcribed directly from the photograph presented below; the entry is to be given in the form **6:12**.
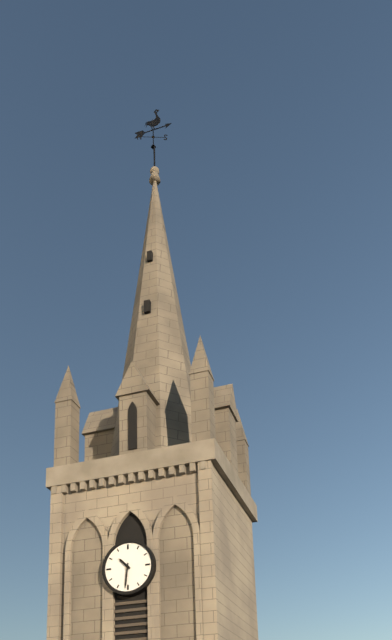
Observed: **10:31**
